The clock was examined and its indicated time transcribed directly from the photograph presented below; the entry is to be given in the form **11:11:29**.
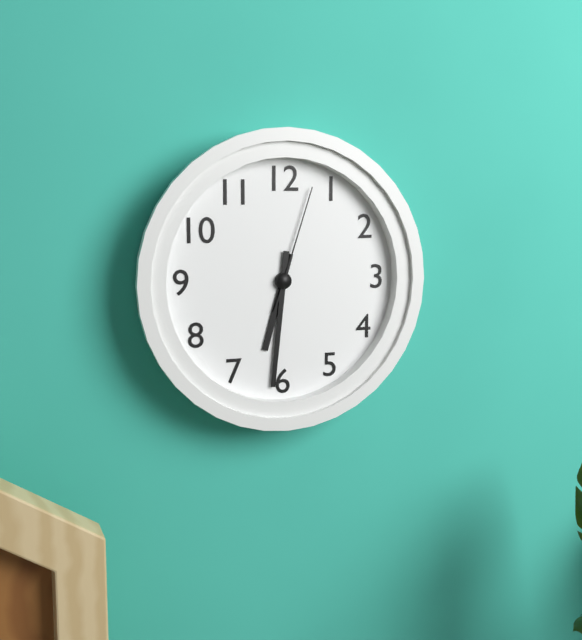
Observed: **6:31:03**
